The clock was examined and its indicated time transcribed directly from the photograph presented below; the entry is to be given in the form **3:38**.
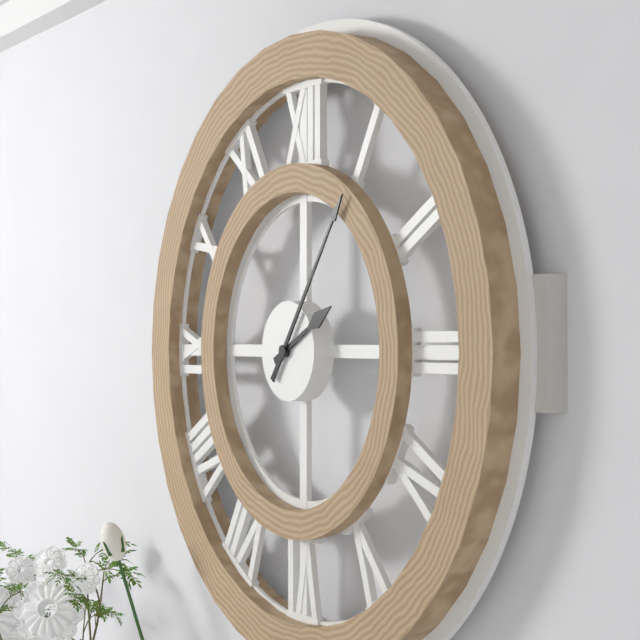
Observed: **2:06**
